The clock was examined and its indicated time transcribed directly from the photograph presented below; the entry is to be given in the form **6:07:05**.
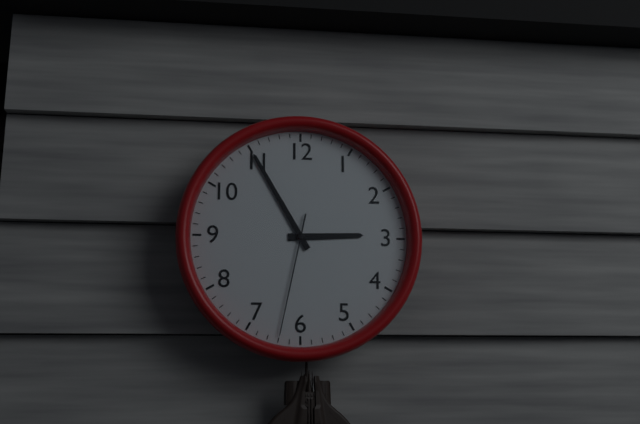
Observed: **2:55:32**
